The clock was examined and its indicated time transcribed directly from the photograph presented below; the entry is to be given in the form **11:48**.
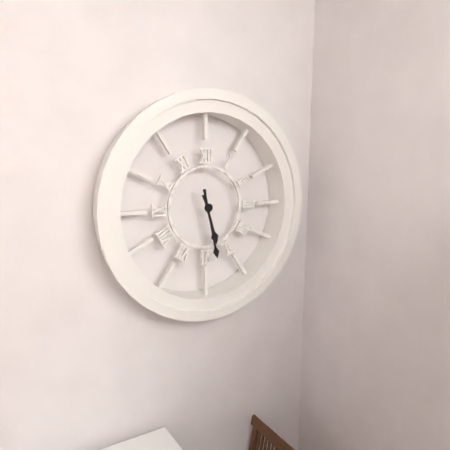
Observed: **5:28**
